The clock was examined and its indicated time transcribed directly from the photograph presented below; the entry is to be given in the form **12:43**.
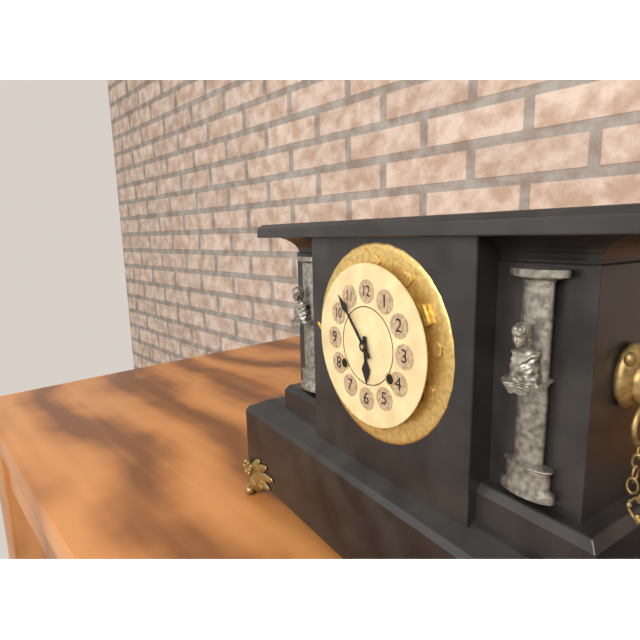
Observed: **5:53**
